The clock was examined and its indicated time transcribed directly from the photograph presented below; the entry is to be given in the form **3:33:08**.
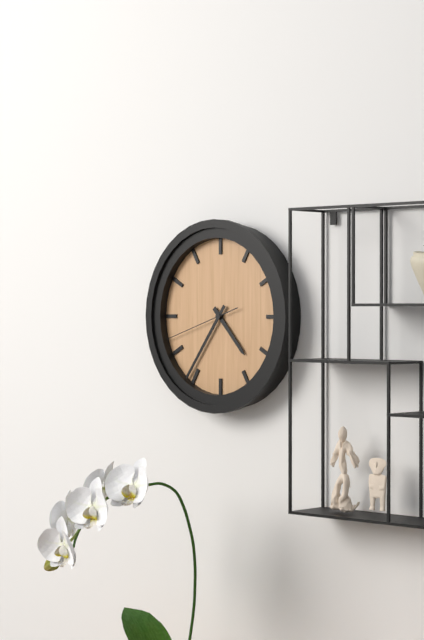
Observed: **4:36:42**
